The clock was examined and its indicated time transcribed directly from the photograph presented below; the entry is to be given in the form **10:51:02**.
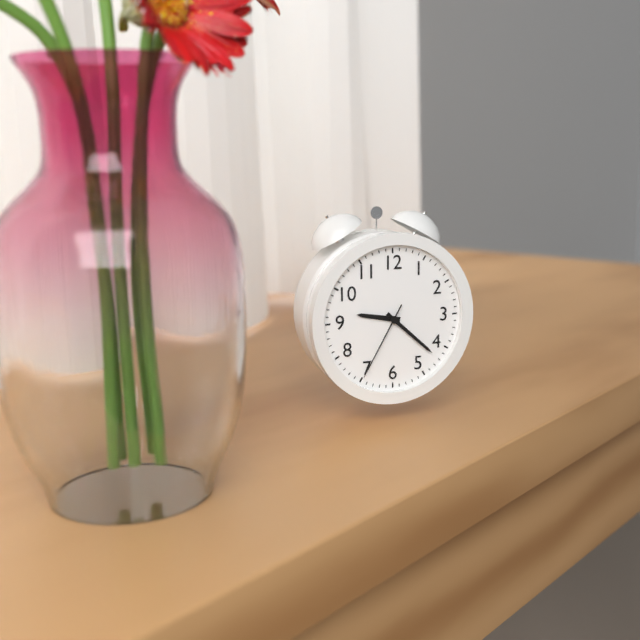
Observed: **9:22:35**
